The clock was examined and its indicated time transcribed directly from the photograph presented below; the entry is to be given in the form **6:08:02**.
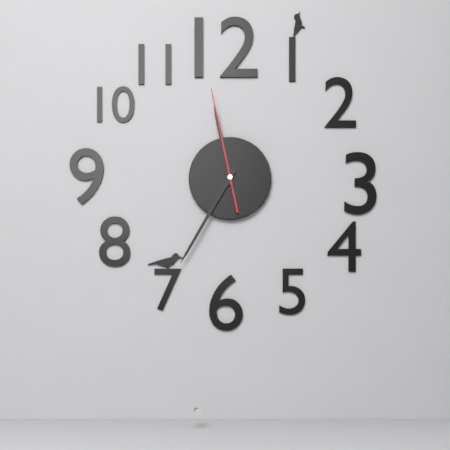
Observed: **11:35:58**
